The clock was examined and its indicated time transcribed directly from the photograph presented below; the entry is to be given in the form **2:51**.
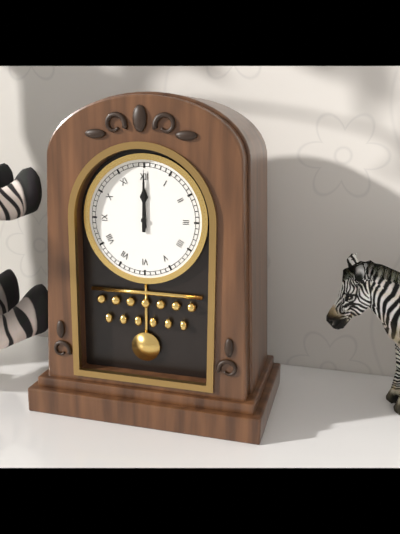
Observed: **12:00**
